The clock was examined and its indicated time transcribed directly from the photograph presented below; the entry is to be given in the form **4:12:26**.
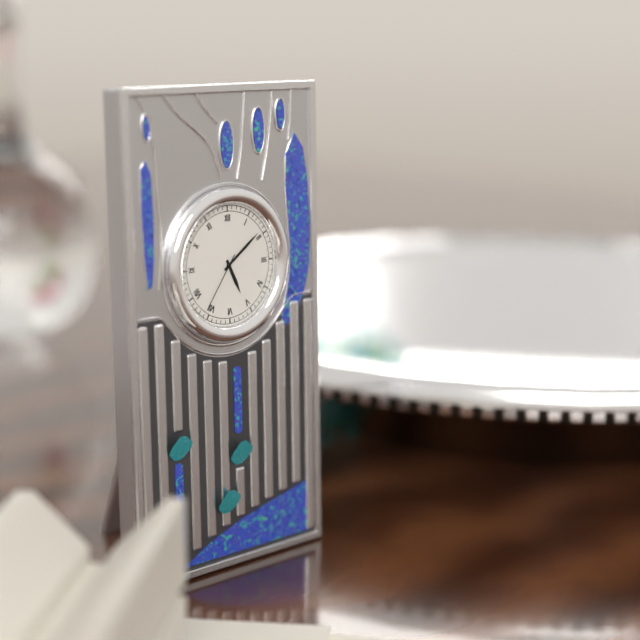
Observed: **5:09:36**
